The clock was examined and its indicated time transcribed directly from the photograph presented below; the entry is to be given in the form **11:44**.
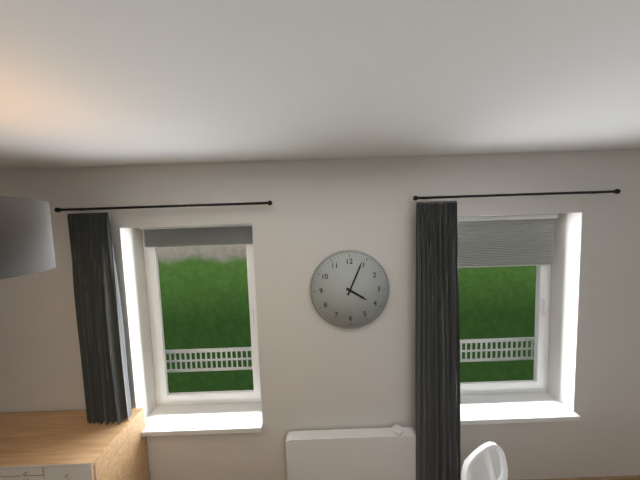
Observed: **4:04**
